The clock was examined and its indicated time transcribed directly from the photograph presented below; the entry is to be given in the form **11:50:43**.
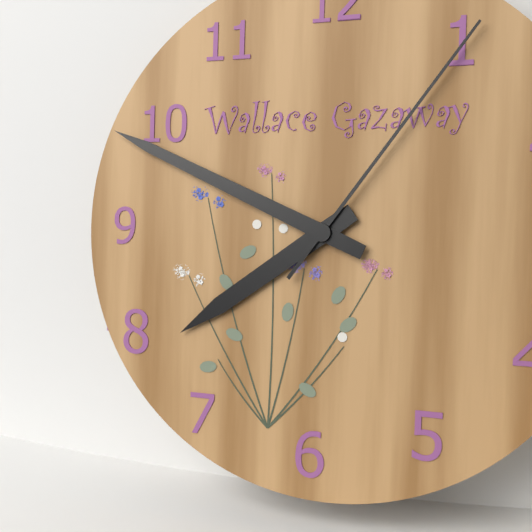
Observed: **7:49:06**
